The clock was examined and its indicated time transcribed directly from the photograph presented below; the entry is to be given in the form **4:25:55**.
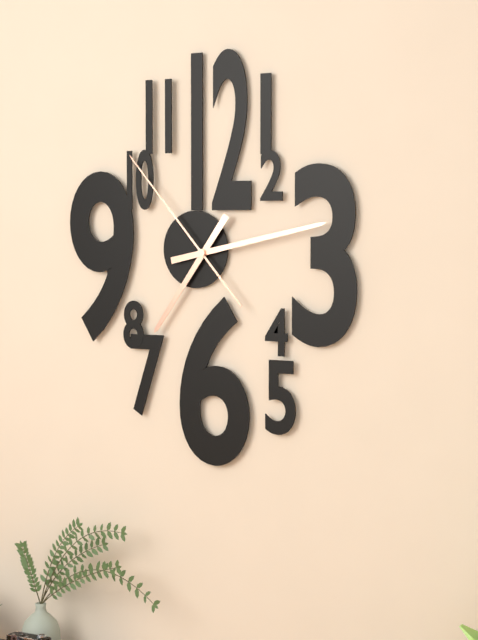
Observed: **7:13:53**
